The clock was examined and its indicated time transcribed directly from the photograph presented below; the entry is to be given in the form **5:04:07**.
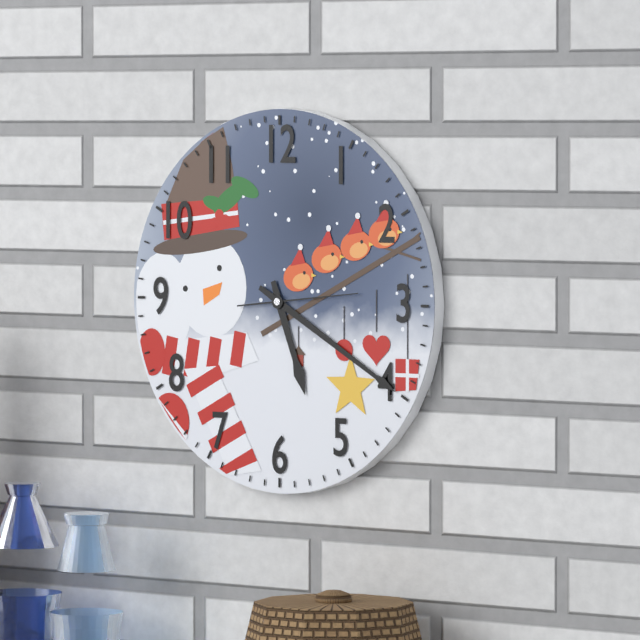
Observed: **5:20:14**
